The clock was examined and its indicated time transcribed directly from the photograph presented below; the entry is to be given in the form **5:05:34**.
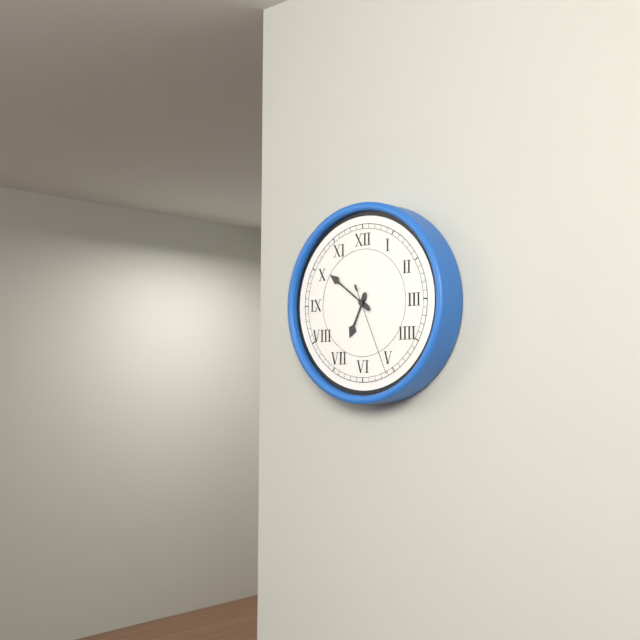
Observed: **6:51:26**
